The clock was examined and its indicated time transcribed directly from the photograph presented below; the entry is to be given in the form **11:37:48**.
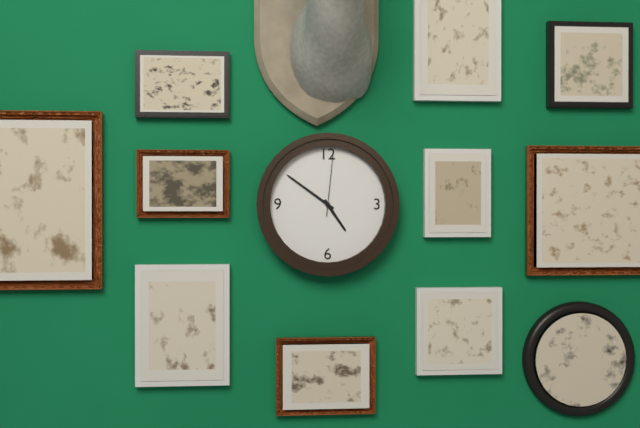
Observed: **4:51:01**
